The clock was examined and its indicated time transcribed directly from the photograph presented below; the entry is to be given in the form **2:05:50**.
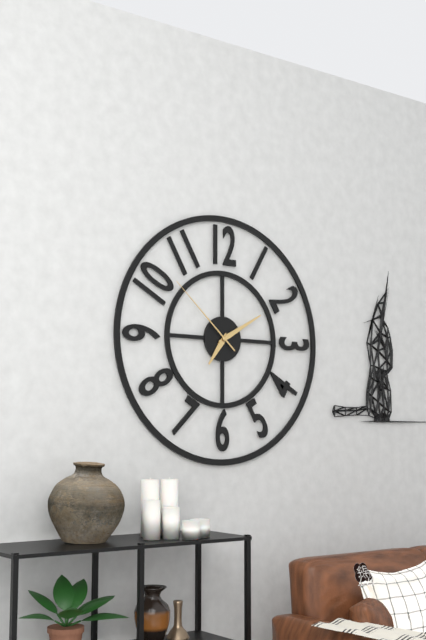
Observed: **7:10:52**
